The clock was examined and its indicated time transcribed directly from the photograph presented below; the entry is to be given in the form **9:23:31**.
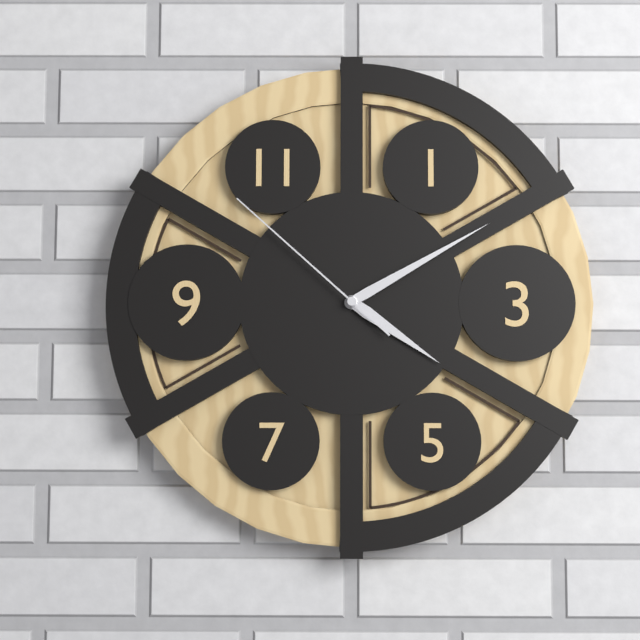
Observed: **4:10:52**
